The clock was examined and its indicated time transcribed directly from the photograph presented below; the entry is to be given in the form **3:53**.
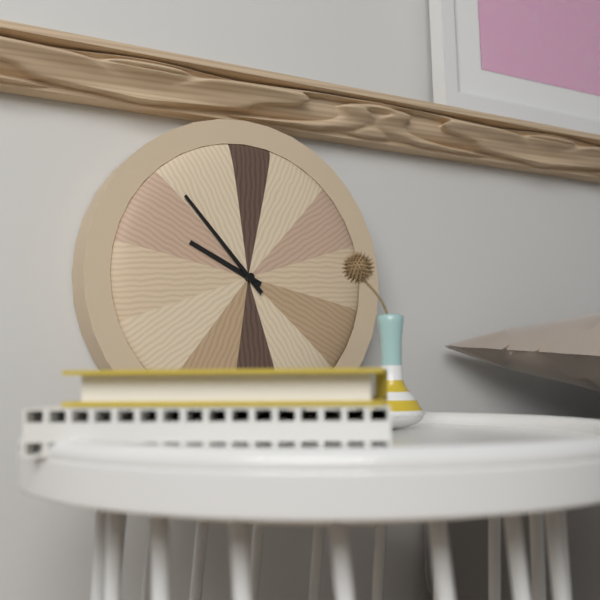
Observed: **9:53**
